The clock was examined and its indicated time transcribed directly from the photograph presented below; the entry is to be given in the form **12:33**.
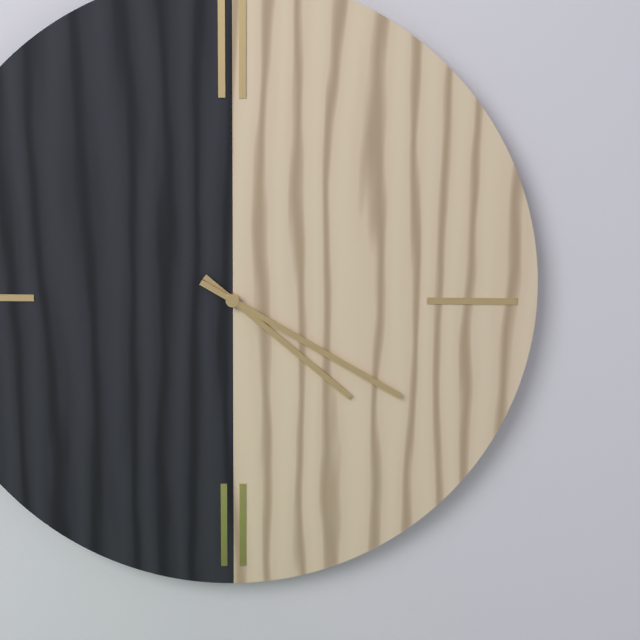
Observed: **4:20**
